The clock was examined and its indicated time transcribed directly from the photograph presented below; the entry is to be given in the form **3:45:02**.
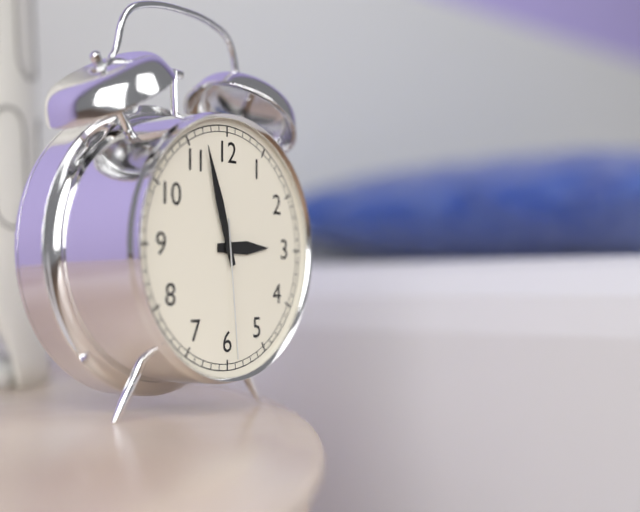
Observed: **2:57:29**
